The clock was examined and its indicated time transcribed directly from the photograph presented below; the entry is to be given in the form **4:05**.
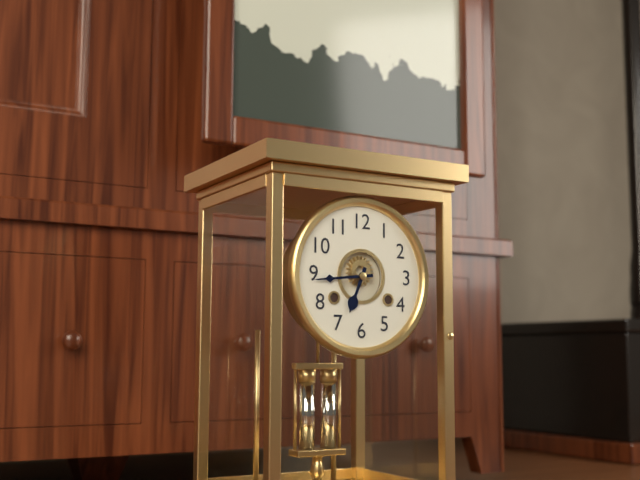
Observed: **6:44**
